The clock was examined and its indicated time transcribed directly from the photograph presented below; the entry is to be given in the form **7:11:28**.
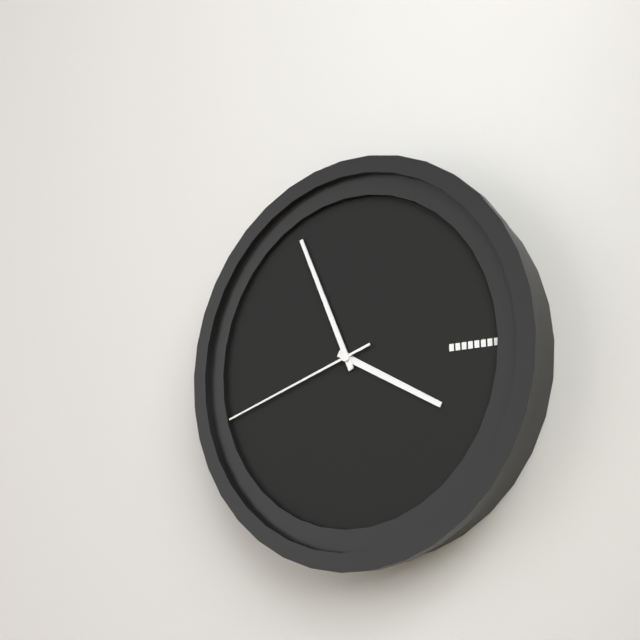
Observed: **3:56:42**
